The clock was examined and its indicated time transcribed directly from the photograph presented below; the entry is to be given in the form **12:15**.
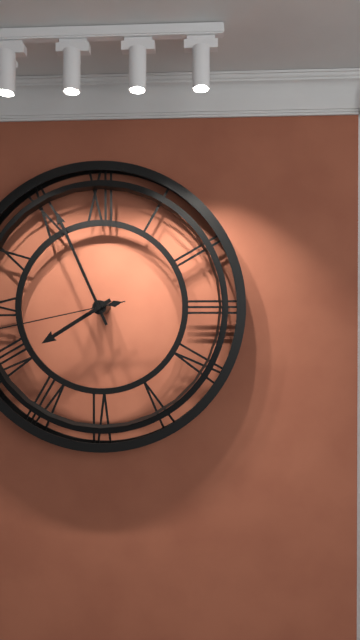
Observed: **7:56**
